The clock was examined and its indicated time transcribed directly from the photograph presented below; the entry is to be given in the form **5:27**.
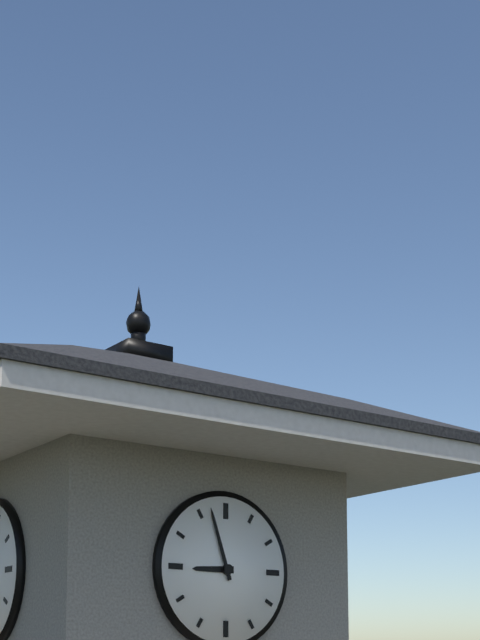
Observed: **8:57**
